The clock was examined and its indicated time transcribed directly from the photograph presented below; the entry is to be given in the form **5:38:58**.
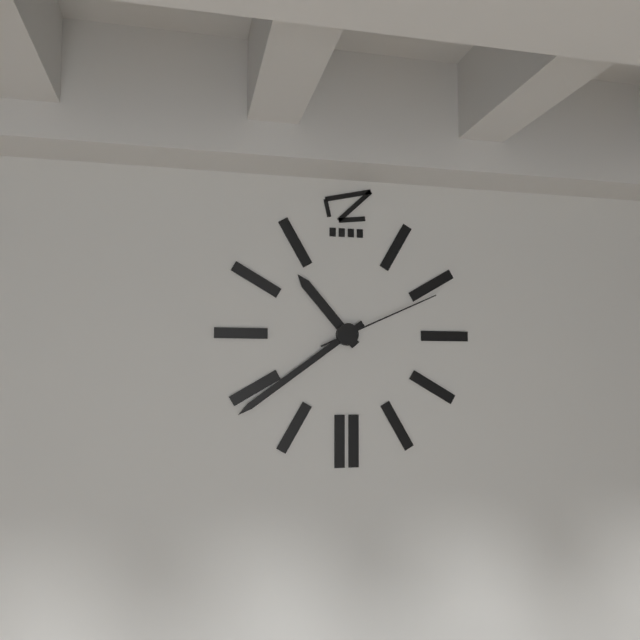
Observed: **10:39:11**
